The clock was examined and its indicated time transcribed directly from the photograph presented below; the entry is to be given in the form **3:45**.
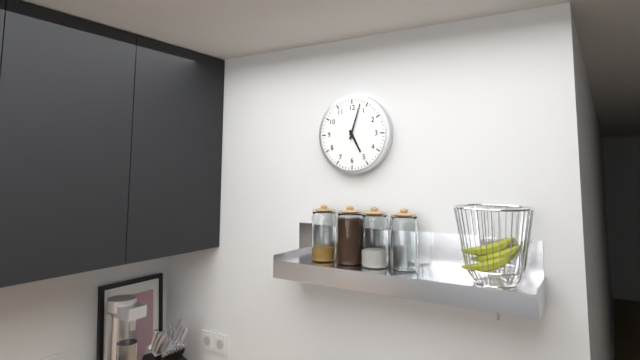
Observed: **5:03**
